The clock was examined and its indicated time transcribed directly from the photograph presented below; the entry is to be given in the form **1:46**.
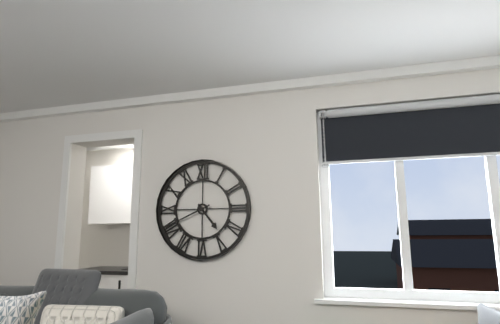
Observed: **4:41**
